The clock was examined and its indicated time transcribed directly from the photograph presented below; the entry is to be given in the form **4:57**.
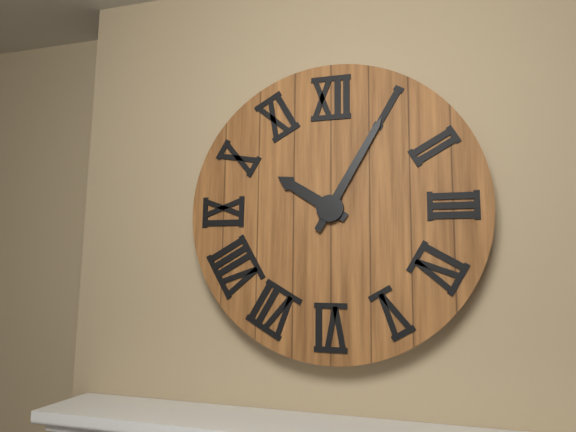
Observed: **10:05**
